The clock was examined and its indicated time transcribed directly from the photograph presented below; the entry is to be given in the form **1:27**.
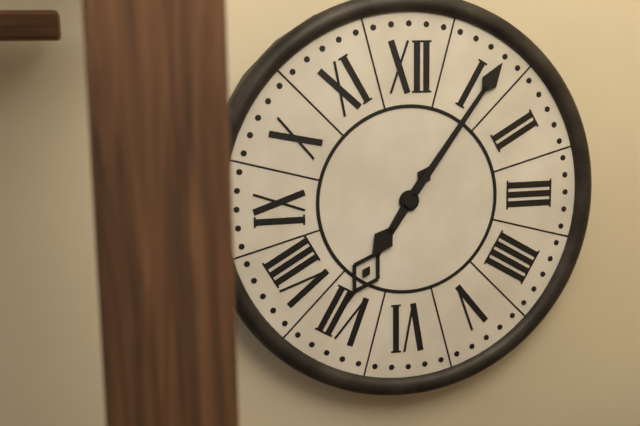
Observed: **7:06**
